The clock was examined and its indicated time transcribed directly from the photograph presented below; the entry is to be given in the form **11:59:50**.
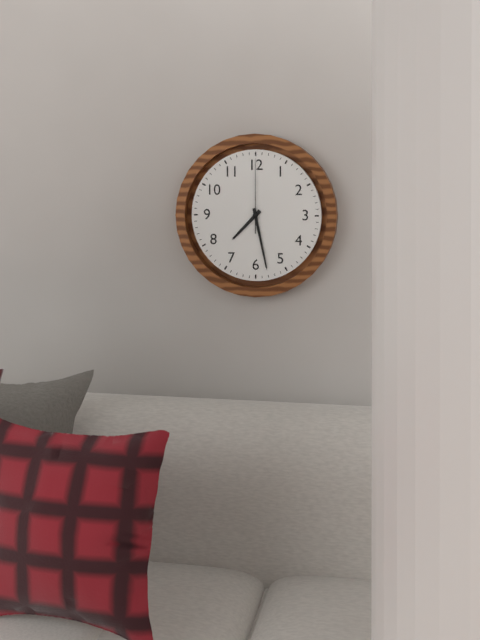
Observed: **7:28:00**
